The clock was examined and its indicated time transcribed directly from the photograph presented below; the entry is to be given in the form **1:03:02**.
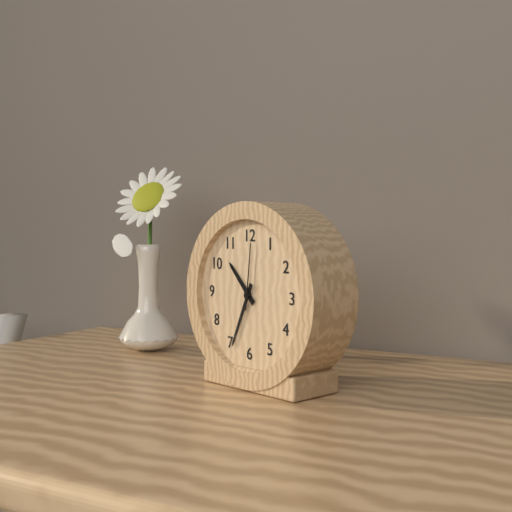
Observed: **10:34:01**
